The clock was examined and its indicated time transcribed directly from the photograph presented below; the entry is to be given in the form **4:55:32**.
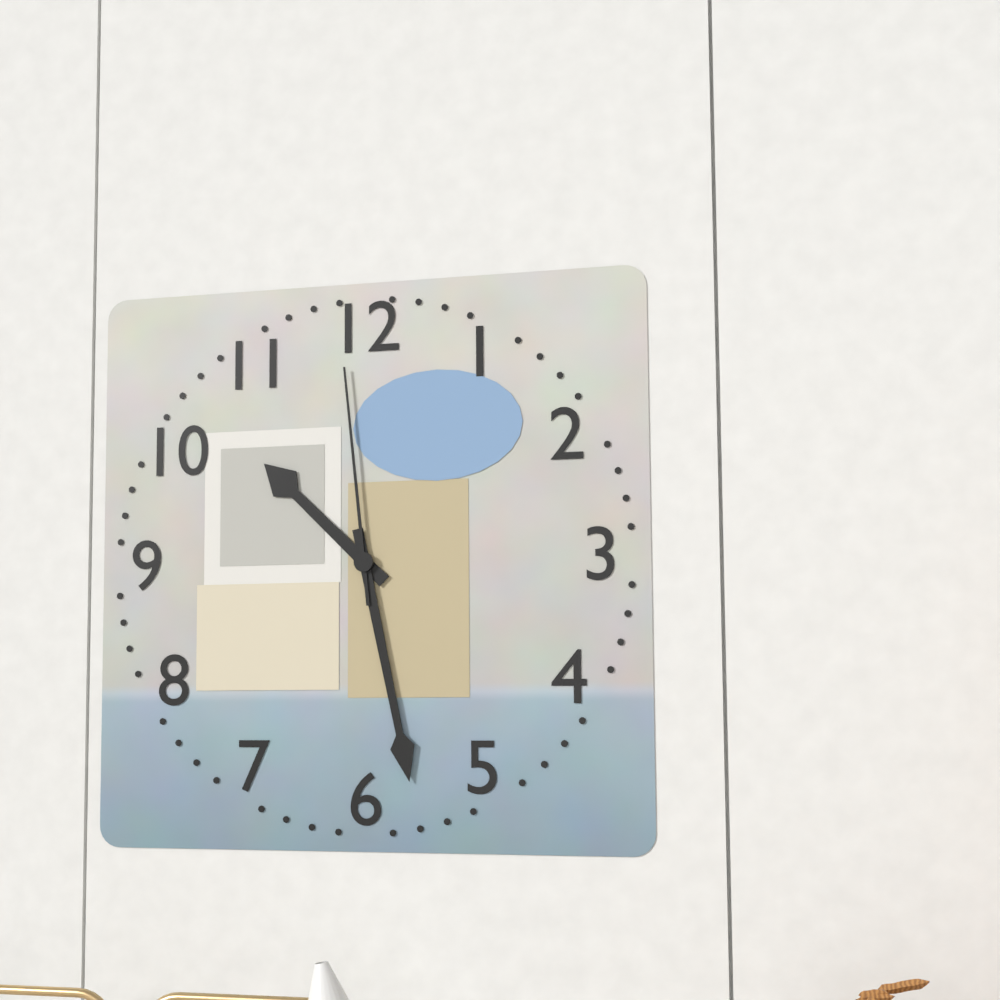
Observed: **10:28:59**
